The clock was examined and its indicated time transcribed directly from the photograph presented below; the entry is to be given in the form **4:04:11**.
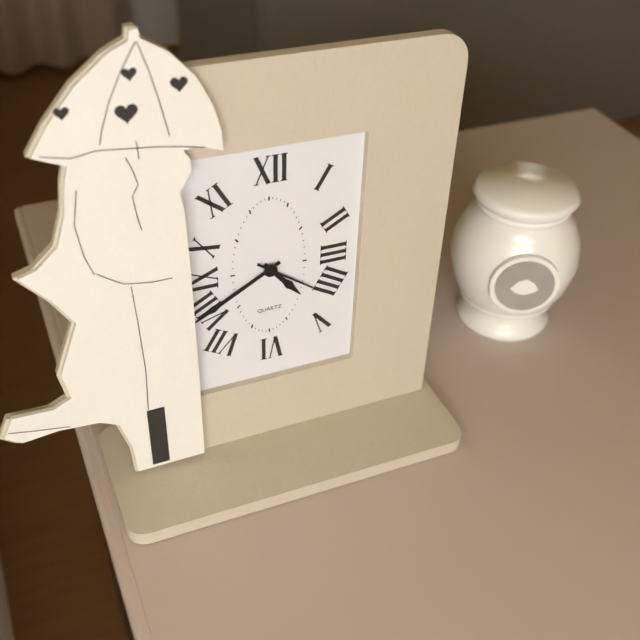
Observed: **4:40:21**
